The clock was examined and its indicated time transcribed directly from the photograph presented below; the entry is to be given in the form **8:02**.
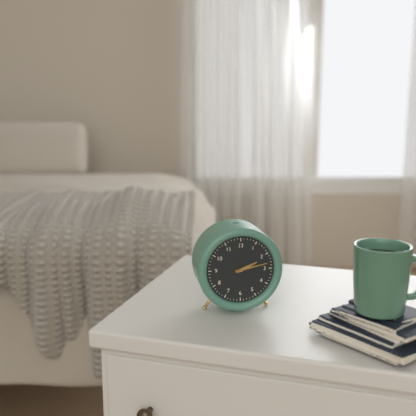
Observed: **2:13**
